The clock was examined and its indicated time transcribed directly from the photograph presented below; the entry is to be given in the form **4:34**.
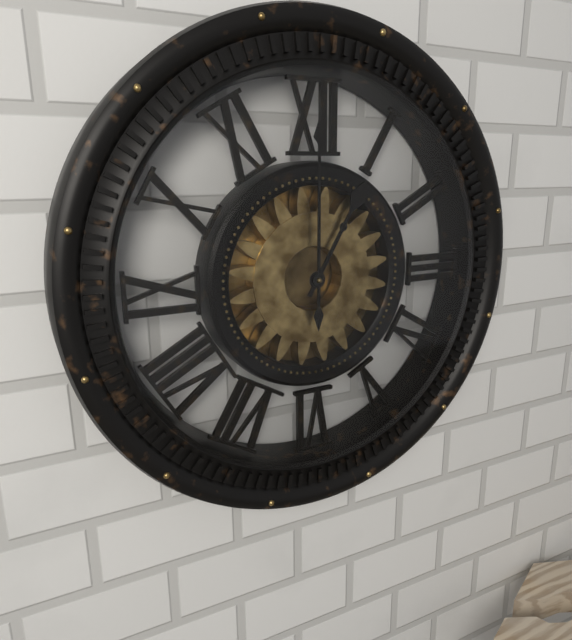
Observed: **1:00**
